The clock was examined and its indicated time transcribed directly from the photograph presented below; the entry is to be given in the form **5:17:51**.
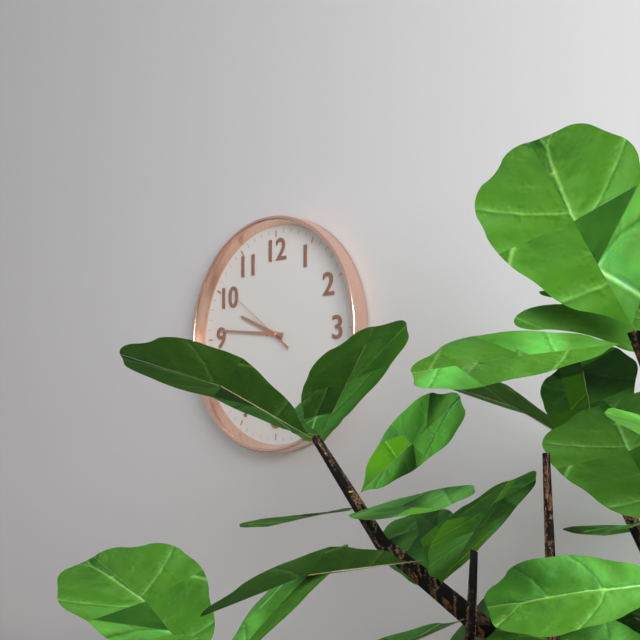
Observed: **9:46:51**
